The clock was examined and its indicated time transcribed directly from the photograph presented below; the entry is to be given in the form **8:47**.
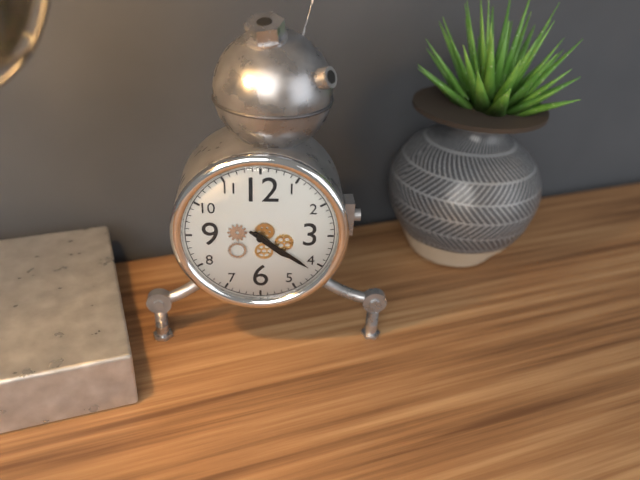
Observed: **4:21**
